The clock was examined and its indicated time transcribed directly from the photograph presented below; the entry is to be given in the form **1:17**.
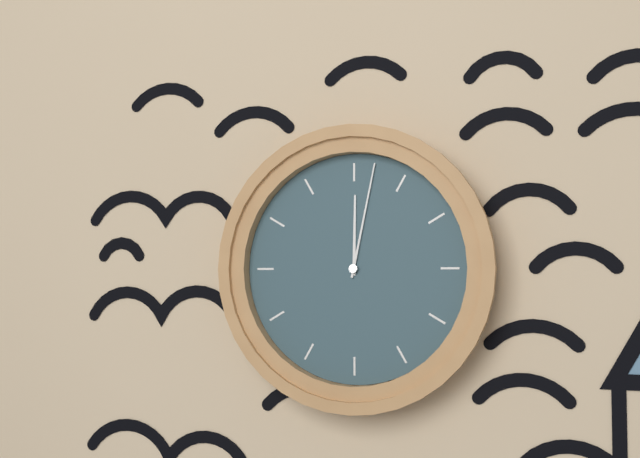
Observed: **12:02**
